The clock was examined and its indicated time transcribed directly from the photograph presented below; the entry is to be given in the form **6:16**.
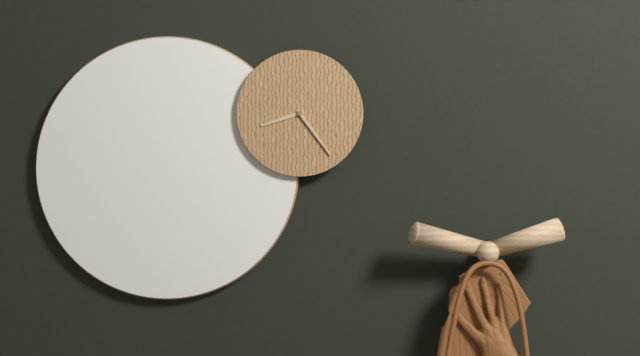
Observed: **8:24**
